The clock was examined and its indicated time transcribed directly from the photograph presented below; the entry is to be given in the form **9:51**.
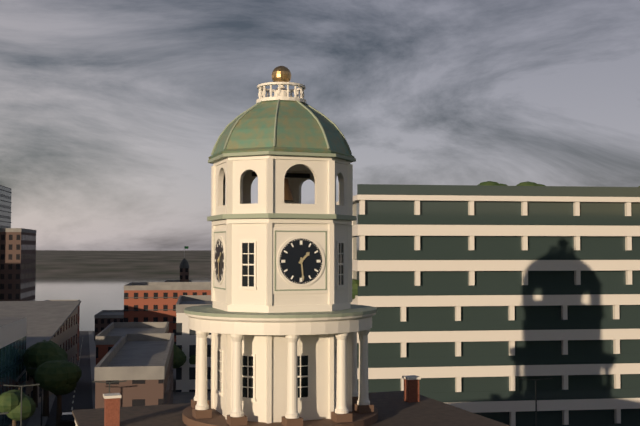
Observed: **1:29**
